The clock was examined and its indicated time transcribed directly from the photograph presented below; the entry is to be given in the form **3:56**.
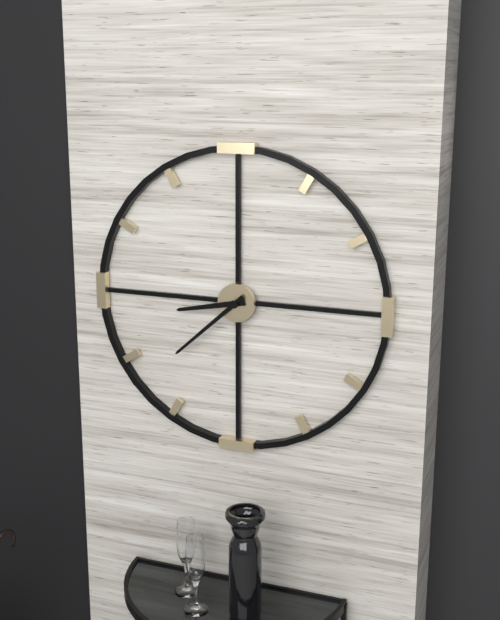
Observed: **8:38**
